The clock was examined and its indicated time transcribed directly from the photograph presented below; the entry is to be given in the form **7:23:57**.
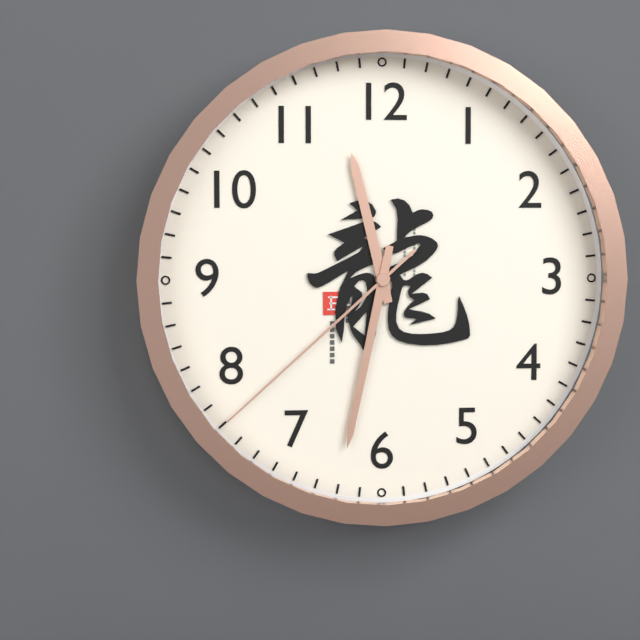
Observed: **11:32:38**
